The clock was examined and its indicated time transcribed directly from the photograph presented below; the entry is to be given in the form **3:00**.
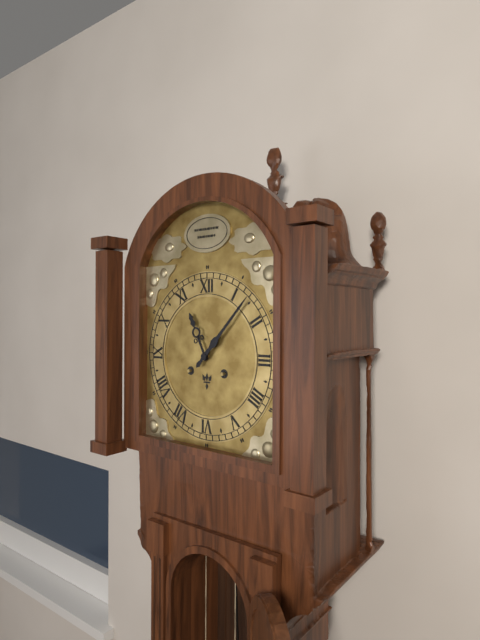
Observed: **11:07**
